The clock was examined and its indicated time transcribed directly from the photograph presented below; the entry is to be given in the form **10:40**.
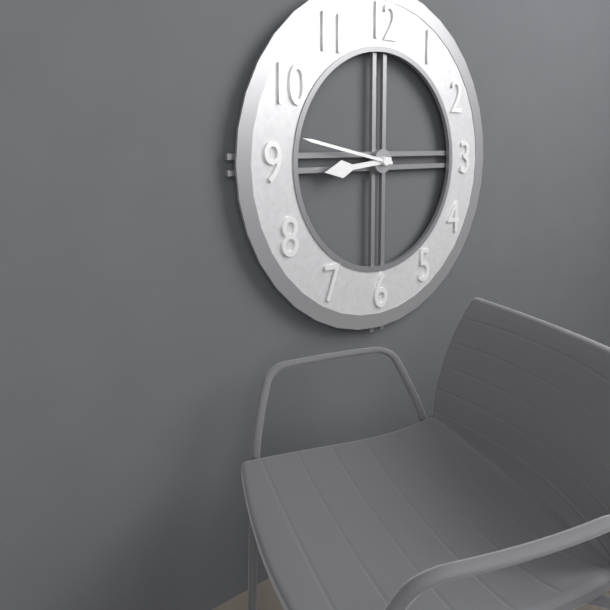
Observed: **8:47**
